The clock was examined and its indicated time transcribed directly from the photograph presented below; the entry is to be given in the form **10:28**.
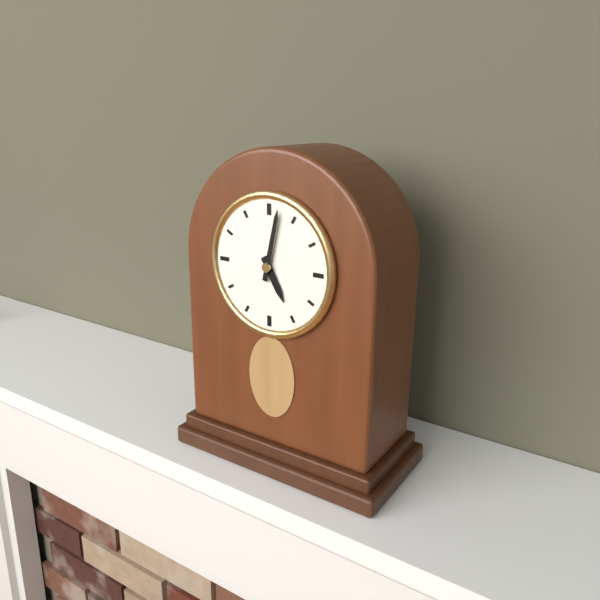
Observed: **5:02**
